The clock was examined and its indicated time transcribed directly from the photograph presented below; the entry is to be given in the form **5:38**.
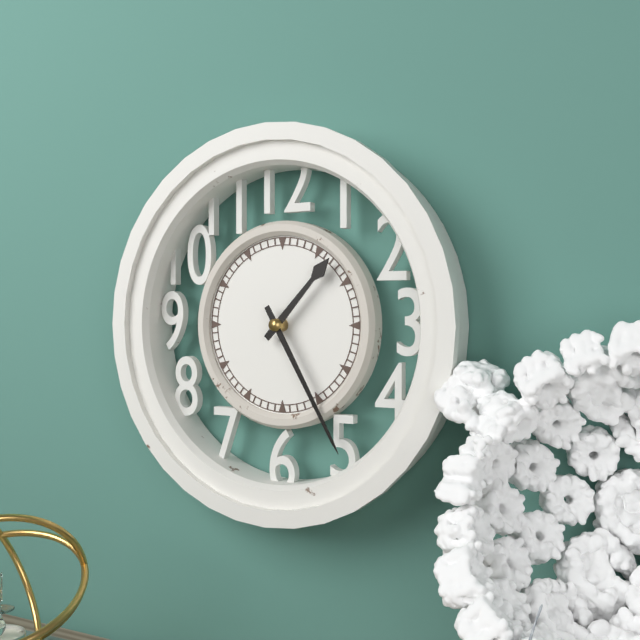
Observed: **1:25**
